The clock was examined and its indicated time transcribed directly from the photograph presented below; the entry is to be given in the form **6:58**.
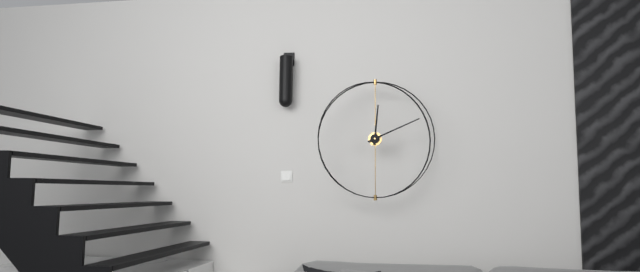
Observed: **12:11**
